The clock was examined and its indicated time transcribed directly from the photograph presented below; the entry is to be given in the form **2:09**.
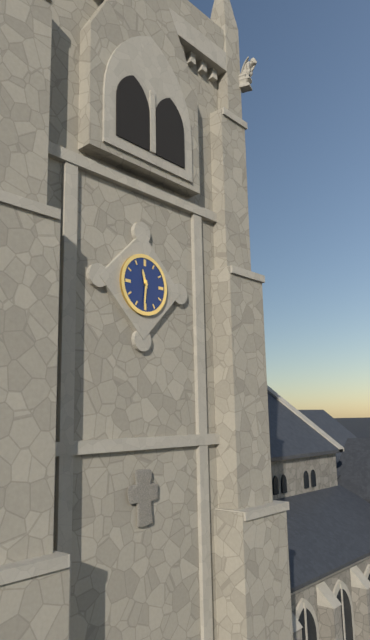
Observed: **11:31**
